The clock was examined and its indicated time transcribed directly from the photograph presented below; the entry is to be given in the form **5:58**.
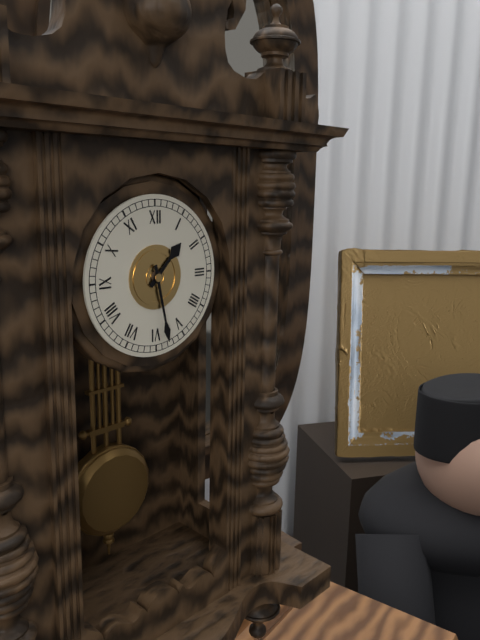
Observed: **1:28**
